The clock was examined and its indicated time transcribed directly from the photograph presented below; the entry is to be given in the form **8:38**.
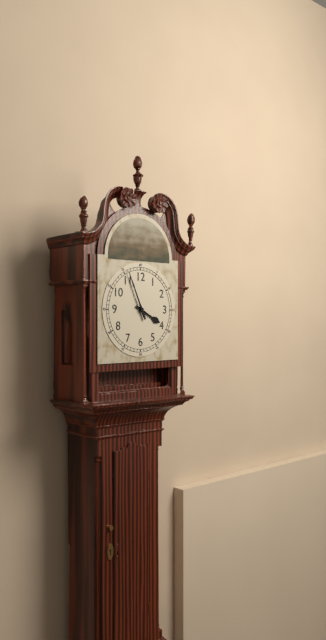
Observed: **3:56**
